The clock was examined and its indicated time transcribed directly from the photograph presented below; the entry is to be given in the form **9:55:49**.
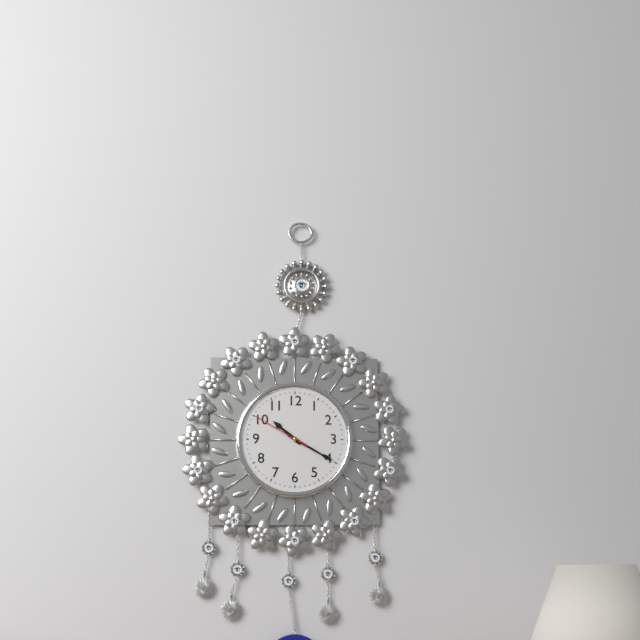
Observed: **10:20:50**
